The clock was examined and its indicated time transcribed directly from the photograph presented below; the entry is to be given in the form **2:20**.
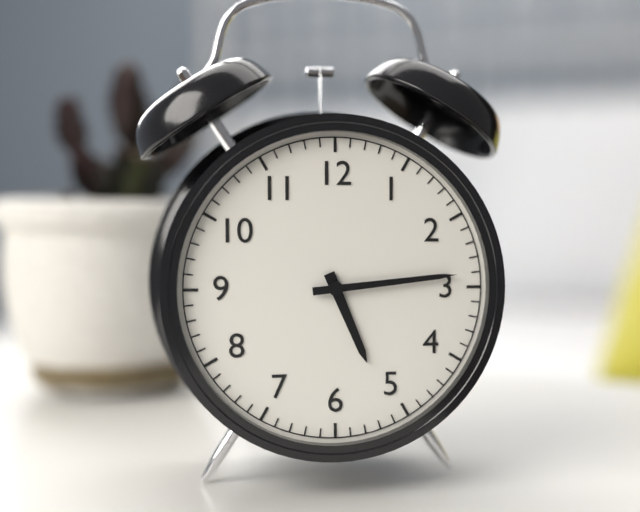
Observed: **5:14**
